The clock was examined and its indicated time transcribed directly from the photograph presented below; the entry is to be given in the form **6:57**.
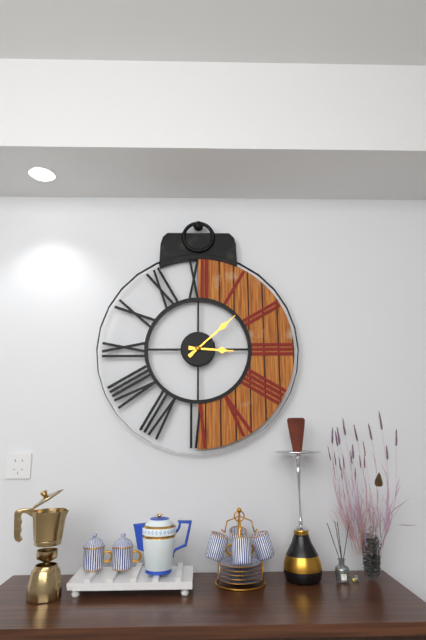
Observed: **3:08**
